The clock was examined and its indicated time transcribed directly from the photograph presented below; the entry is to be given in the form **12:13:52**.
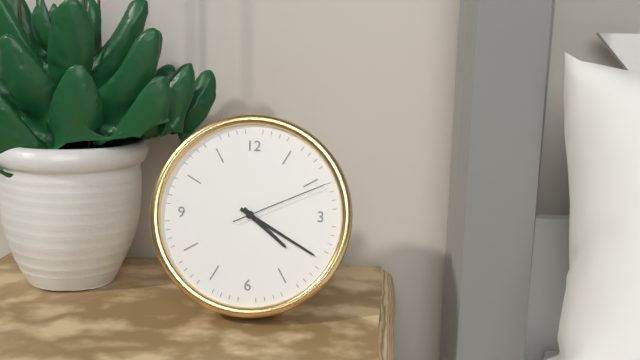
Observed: **4:20:11**
